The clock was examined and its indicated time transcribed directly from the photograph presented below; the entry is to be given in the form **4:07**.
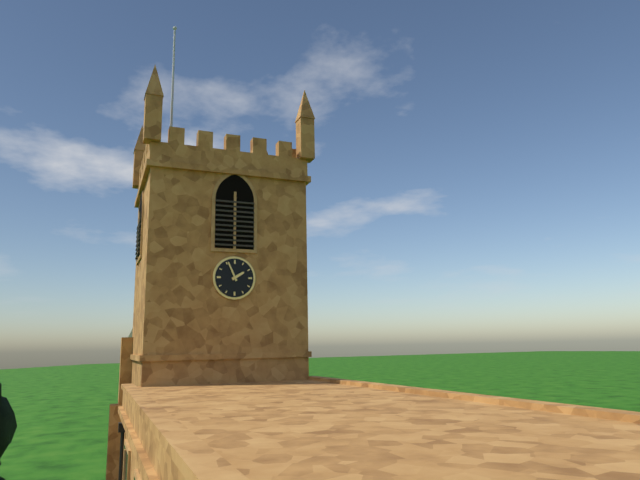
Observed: **1:56**
